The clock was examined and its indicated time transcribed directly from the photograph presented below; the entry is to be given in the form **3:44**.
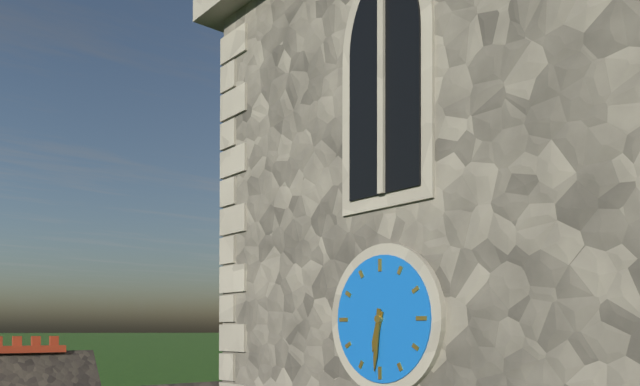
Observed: **6:31**
